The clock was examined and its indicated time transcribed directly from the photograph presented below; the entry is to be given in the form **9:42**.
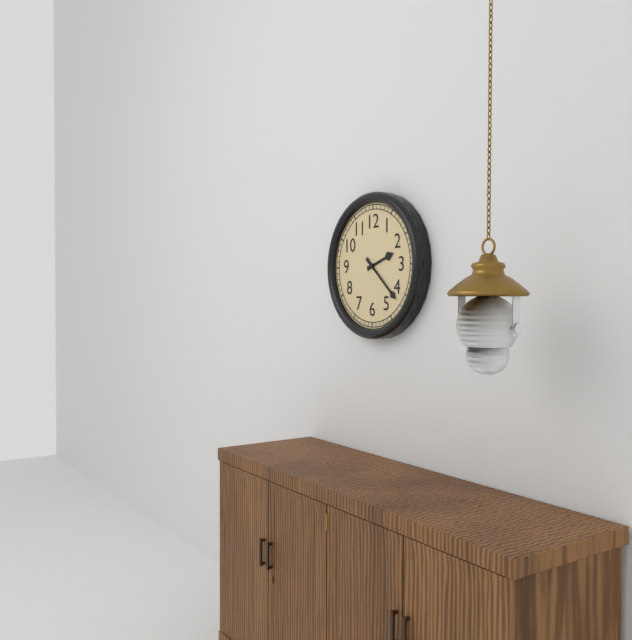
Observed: **2:22**
